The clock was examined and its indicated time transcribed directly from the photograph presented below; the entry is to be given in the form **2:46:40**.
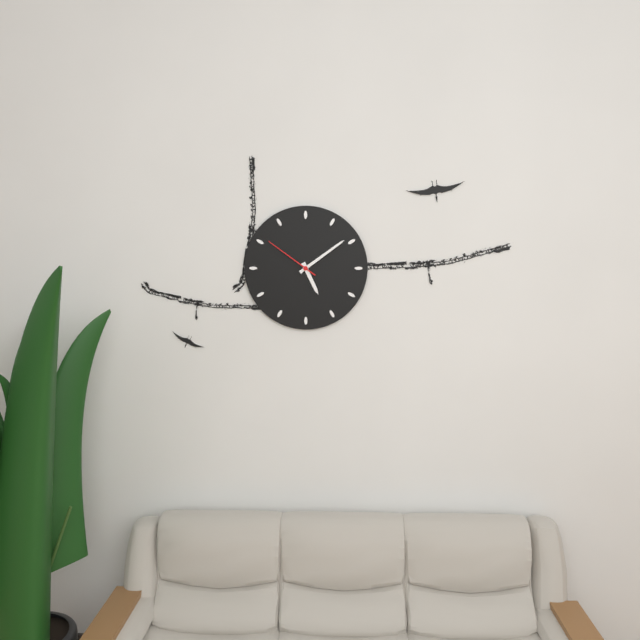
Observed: **5:09:51**
